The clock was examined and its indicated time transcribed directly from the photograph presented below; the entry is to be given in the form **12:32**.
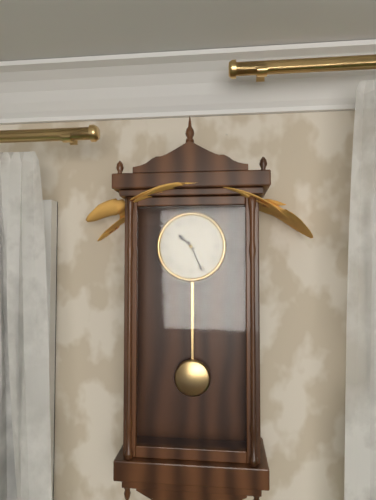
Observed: **10:26**
